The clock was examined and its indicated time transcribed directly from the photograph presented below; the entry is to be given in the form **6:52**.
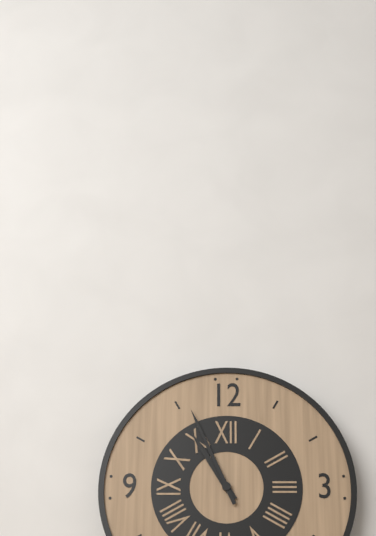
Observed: **10:56**
